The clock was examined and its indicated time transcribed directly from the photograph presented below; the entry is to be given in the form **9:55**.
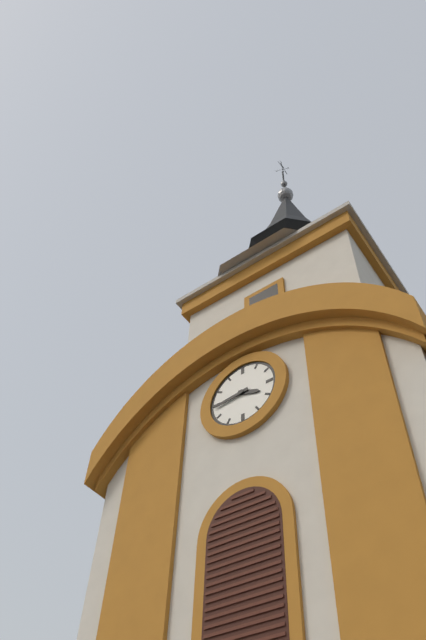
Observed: **3:44**
